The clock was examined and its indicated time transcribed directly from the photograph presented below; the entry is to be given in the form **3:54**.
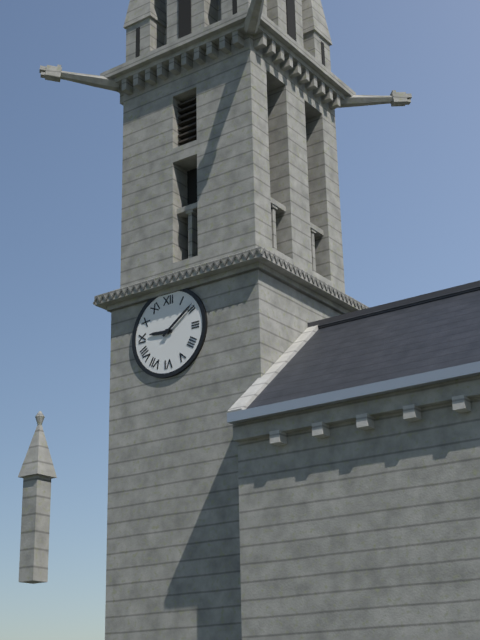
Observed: **9:09**
